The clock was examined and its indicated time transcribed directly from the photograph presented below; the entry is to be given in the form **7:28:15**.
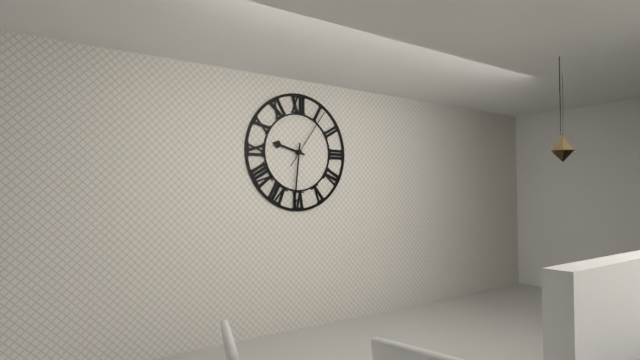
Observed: **9:31:06**
